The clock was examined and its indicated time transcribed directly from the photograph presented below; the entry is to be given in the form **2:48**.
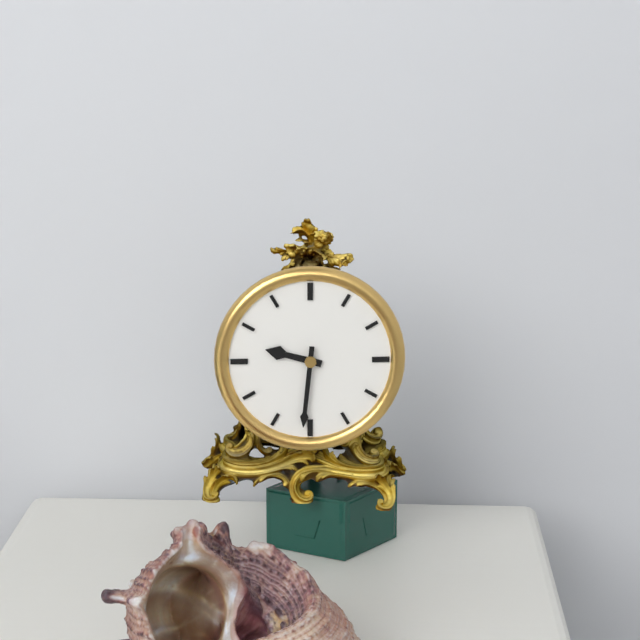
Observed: **9:31**
